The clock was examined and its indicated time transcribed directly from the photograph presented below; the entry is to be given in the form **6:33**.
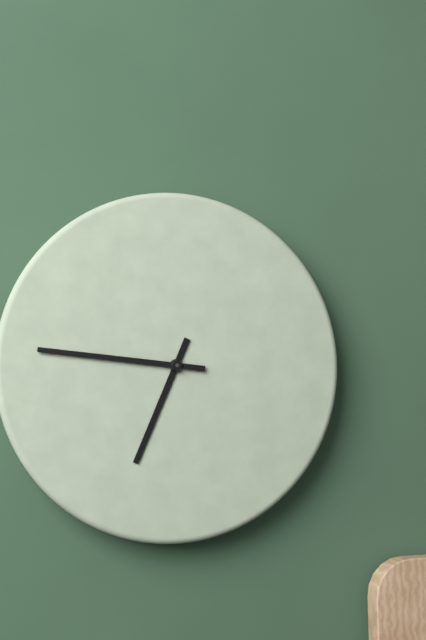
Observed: **6:46**
